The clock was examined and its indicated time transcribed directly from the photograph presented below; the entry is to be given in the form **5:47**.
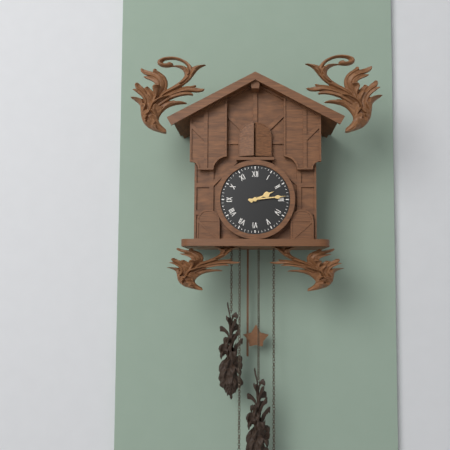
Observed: **2:14**
